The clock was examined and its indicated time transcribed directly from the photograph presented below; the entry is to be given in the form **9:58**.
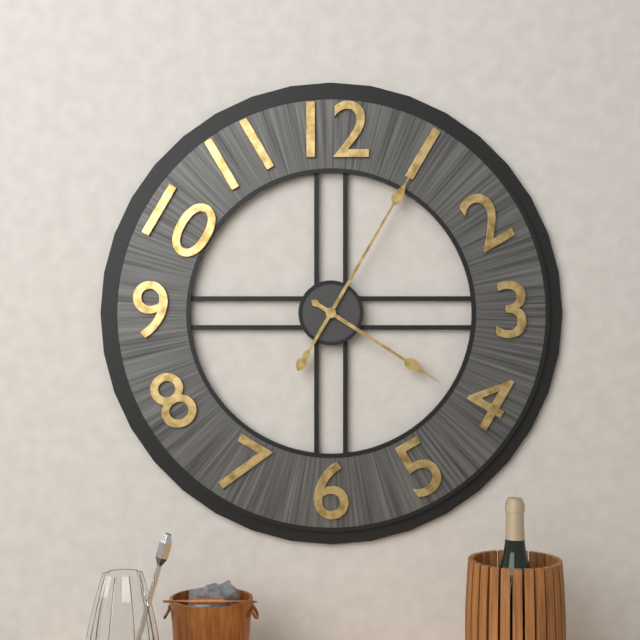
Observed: **4:05**
